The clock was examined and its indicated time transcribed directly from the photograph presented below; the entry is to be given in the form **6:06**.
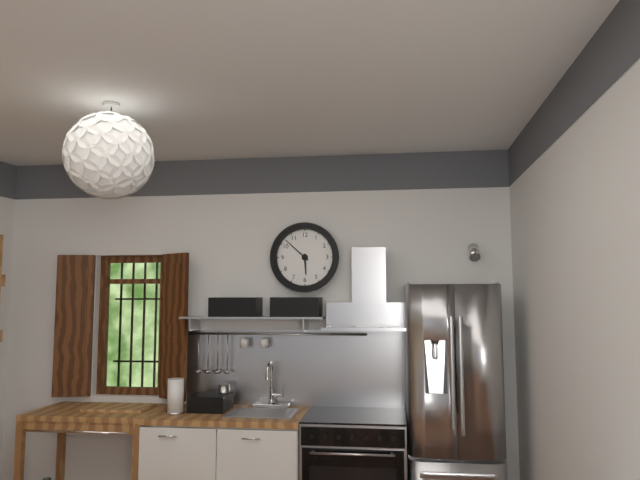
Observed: **5:52**
